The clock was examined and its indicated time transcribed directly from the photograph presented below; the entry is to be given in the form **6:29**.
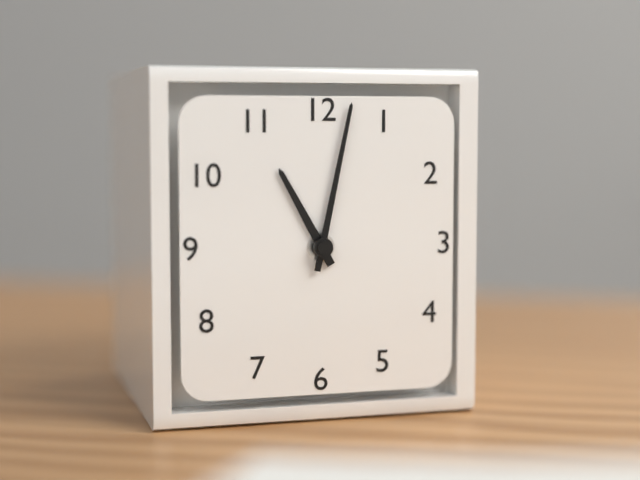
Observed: **11:02**
